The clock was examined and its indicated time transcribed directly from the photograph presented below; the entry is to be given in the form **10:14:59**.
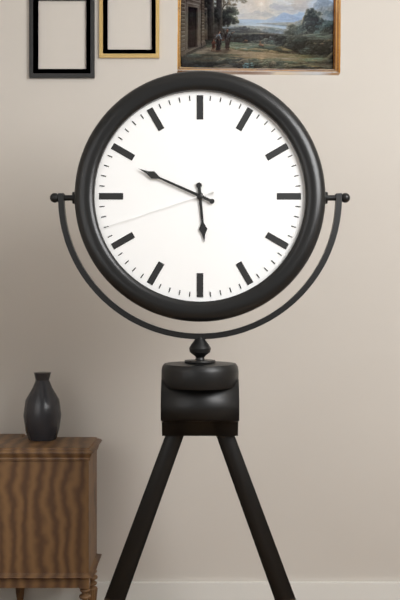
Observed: **5:49:42**
